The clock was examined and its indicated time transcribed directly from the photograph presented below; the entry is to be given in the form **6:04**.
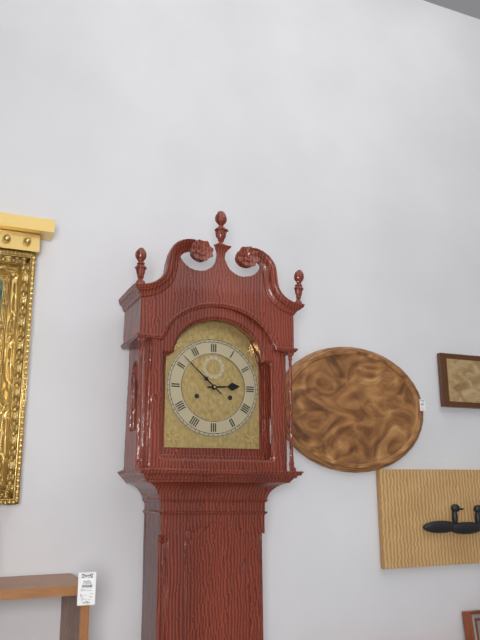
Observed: **2:52**
